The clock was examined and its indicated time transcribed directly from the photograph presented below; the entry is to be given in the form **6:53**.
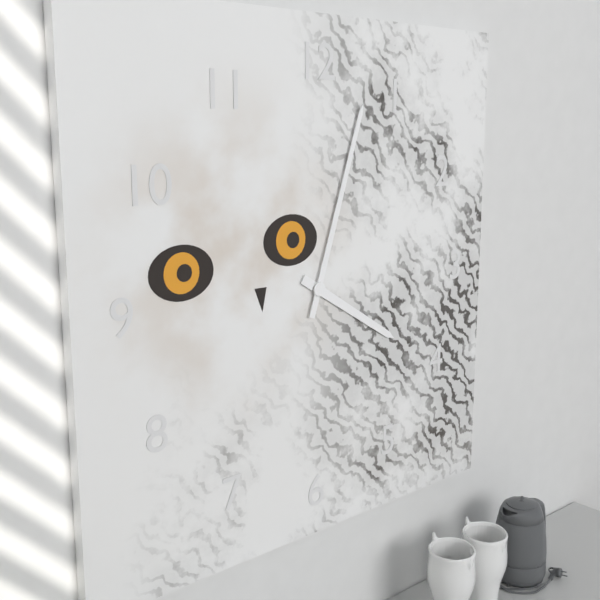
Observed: **4:03**
